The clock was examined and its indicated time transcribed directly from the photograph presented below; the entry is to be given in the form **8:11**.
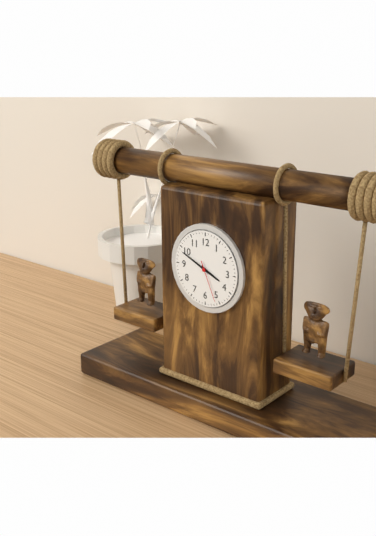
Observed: **3:49**
